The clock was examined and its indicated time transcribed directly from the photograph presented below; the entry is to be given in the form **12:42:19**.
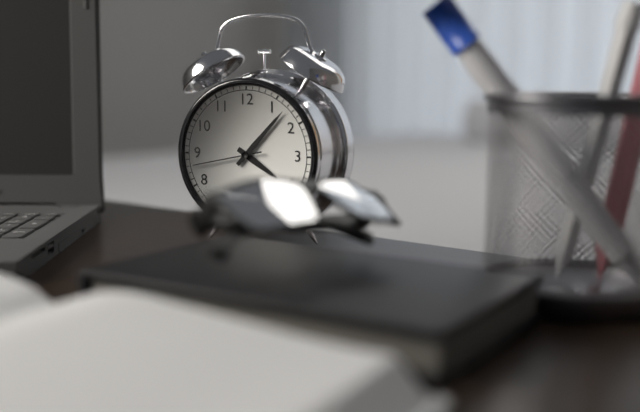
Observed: **4:07:43**
